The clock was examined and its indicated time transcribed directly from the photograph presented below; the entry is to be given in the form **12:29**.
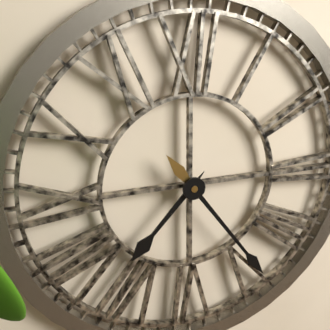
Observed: **7:24**
